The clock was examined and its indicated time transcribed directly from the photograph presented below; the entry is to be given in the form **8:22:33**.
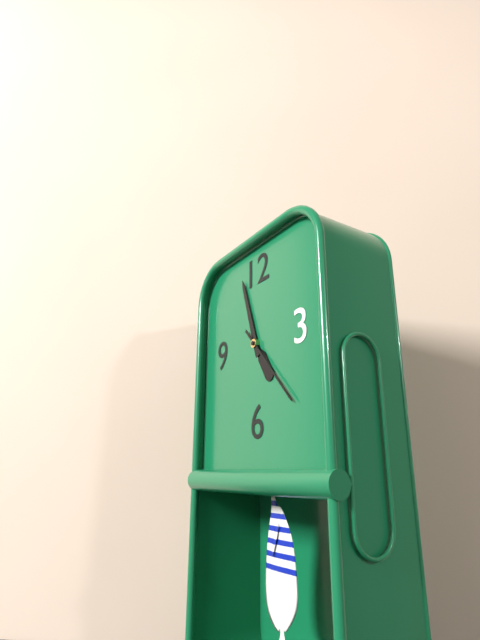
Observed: **4:57:23**
